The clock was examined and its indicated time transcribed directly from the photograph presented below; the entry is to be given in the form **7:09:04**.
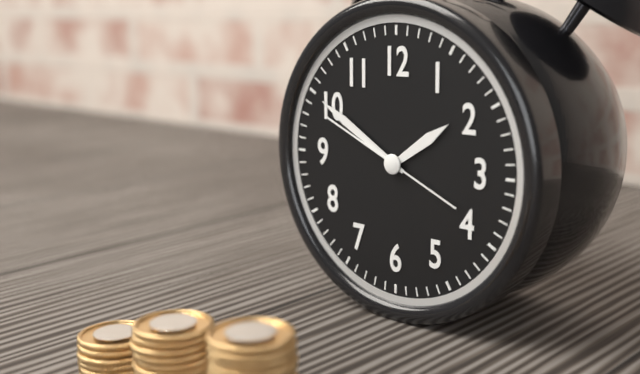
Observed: **1:50:49**
